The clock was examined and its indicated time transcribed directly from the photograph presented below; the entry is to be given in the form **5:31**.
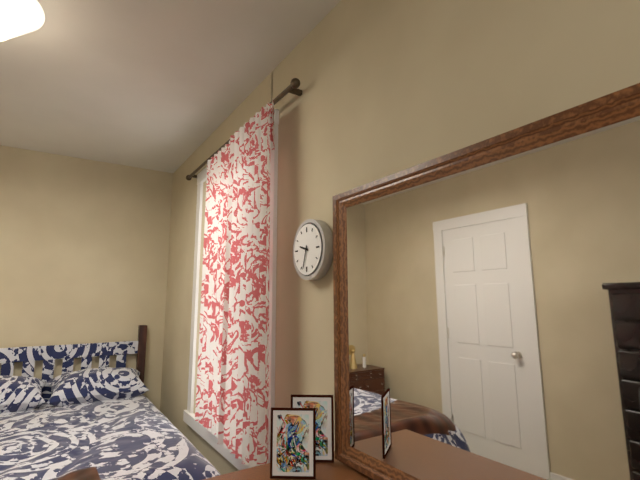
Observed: **9:33**
